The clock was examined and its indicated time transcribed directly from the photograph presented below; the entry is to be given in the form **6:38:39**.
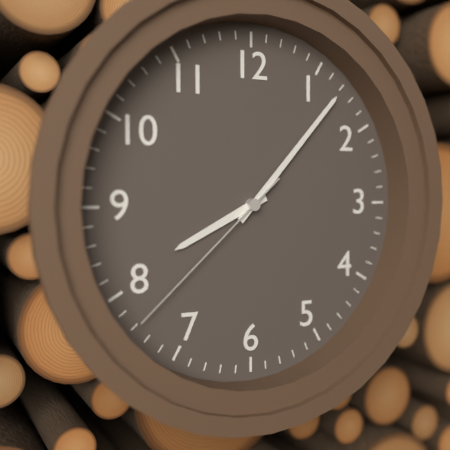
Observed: **8:07:38**
